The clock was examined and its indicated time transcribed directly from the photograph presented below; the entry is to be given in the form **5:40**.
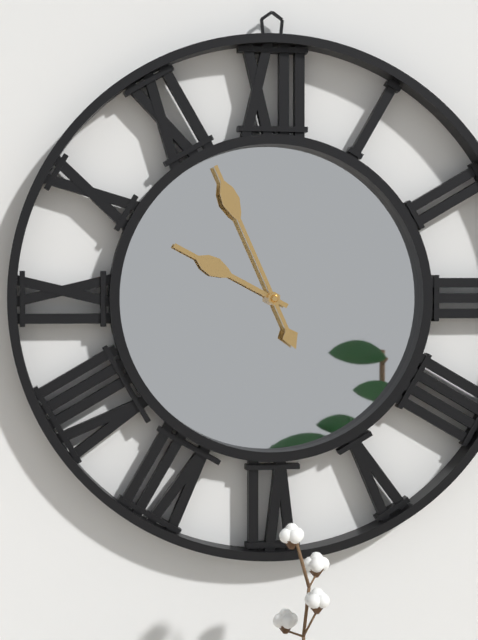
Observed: **9:56**
